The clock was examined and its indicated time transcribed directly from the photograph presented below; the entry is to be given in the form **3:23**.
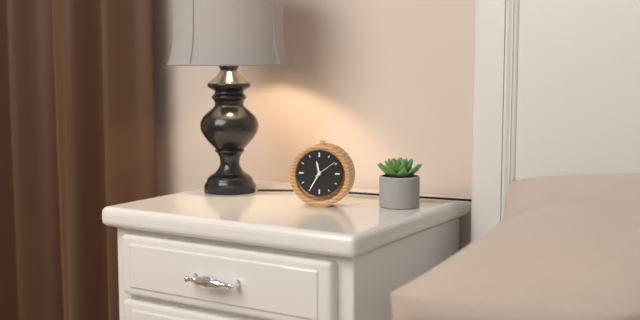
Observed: **11:35**
